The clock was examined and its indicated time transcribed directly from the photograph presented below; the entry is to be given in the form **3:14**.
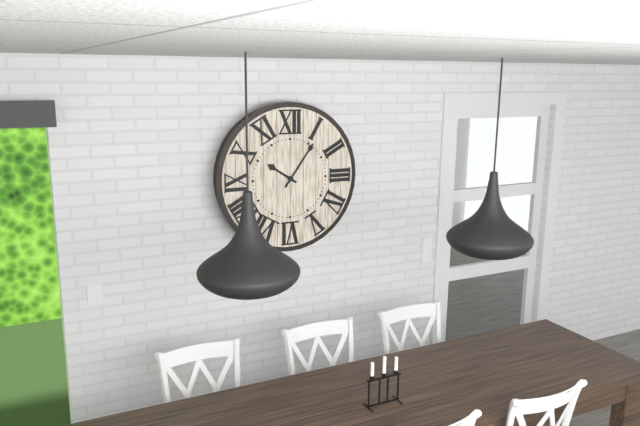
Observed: **10:06**
